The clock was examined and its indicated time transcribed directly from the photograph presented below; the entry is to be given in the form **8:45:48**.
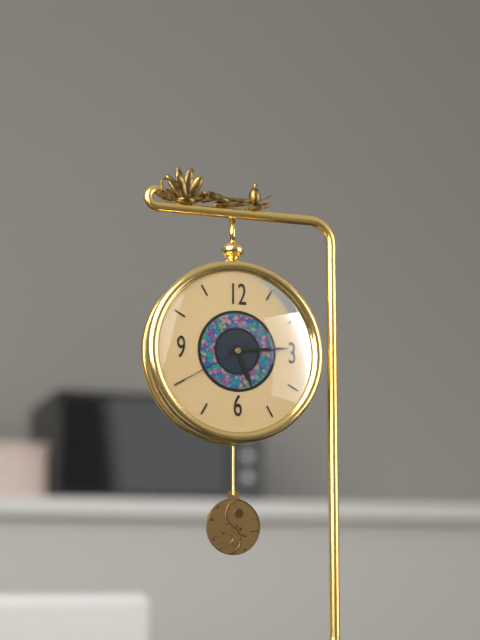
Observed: **5:14:40**
